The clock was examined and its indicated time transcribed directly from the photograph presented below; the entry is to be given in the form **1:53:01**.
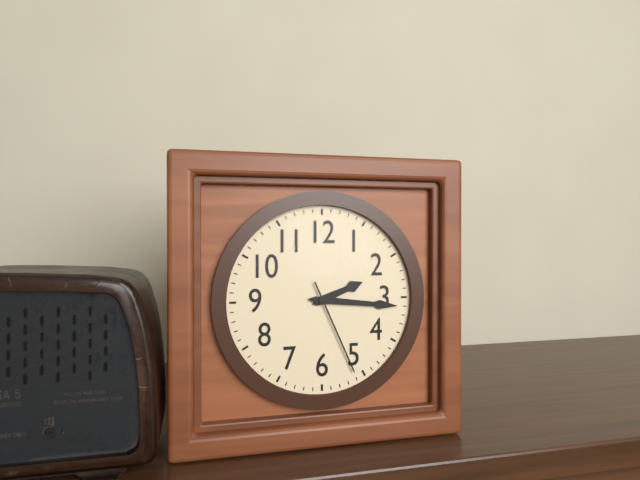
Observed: **2:16:26**
